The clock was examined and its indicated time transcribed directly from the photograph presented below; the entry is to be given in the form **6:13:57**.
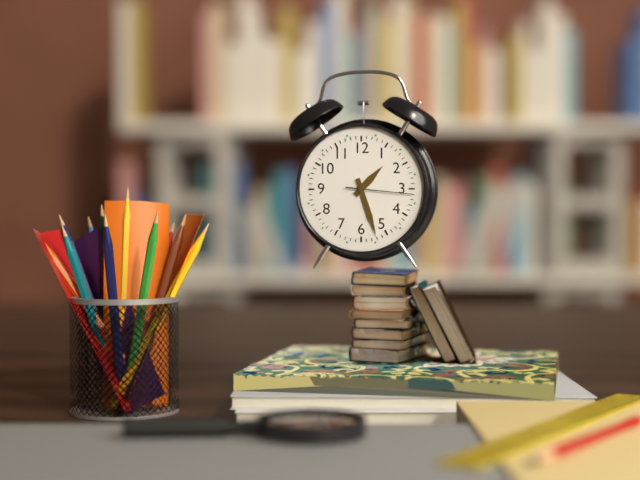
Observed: **1:27:16**
